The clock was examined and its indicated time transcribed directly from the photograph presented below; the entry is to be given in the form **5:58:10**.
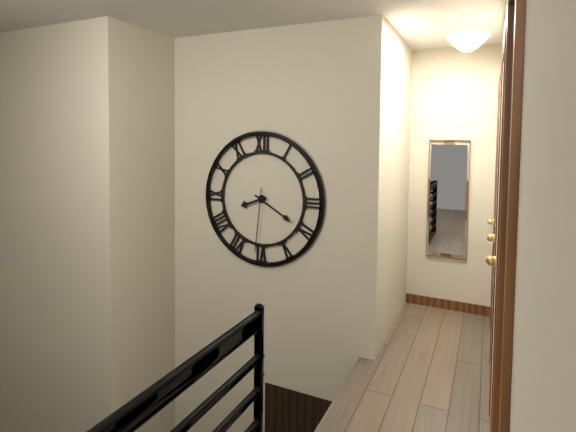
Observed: **8:20:31**
